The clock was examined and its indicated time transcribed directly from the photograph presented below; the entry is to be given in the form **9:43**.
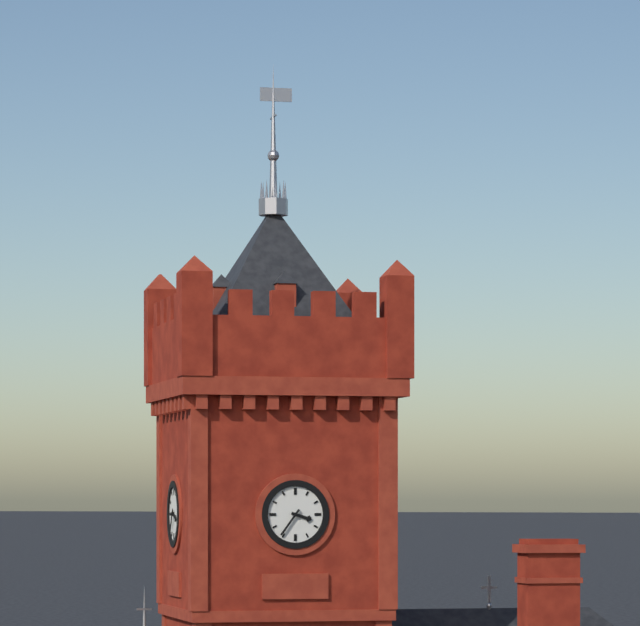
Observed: **3:36**
